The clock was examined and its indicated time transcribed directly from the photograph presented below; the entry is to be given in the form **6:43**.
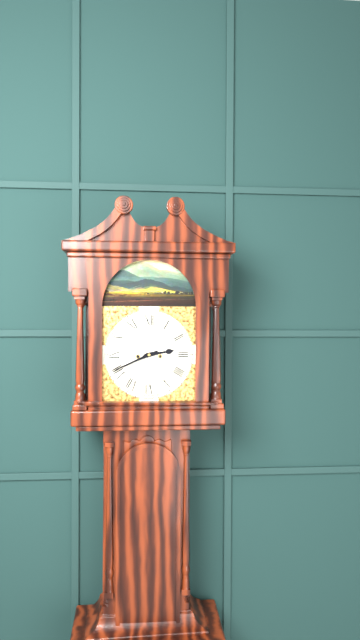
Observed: **2:41**
